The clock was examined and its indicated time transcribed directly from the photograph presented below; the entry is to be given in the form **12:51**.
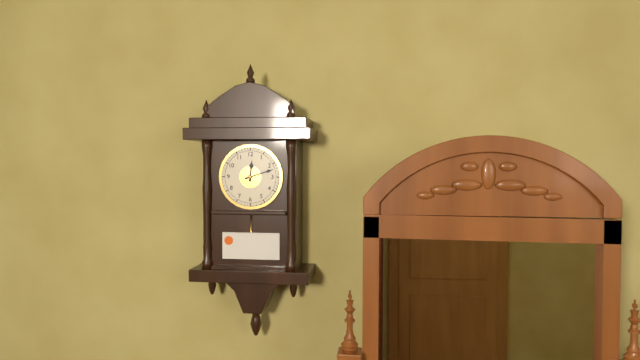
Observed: **12:12**
